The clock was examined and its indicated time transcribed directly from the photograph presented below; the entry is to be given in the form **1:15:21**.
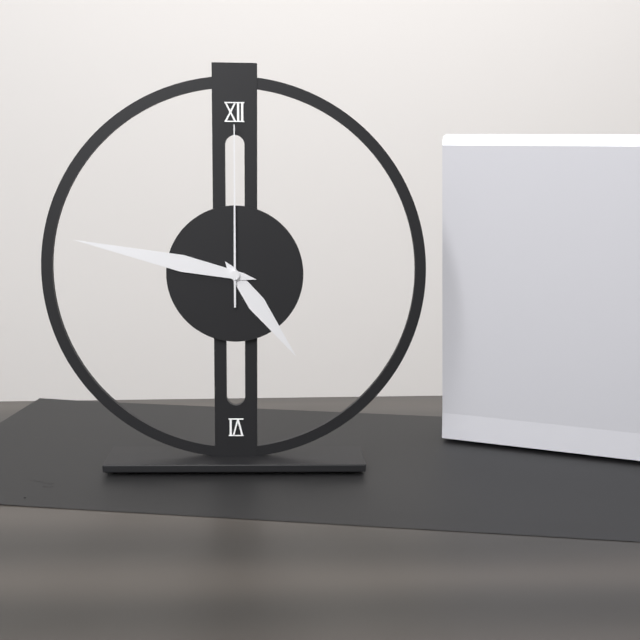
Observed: **4:47:00**
